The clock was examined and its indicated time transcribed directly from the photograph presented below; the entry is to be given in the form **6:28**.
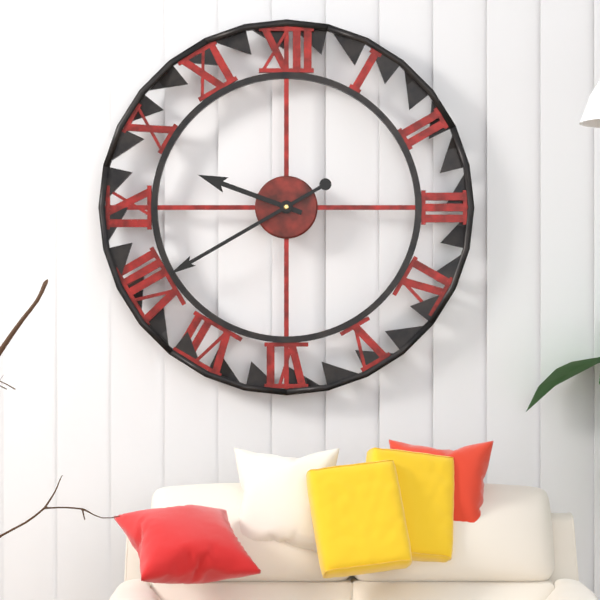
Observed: **9:40**
